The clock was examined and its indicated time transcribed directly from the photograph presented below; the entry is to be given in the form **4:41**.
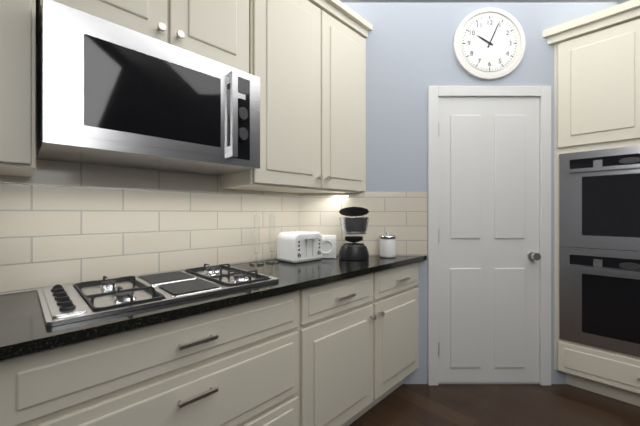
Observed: **10:04**
